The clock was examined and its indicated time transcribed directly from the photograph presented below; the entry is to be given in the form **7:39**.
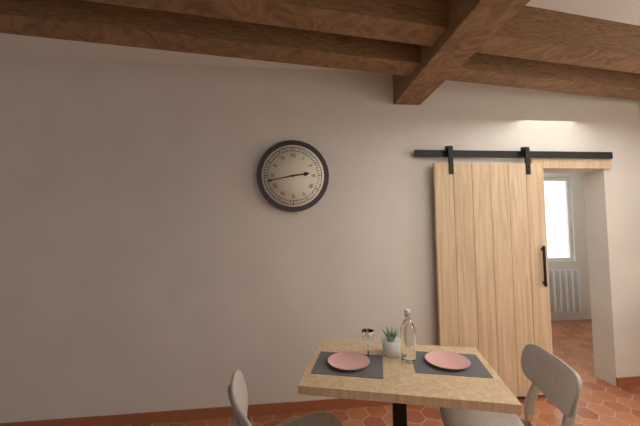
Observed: **2:43**
